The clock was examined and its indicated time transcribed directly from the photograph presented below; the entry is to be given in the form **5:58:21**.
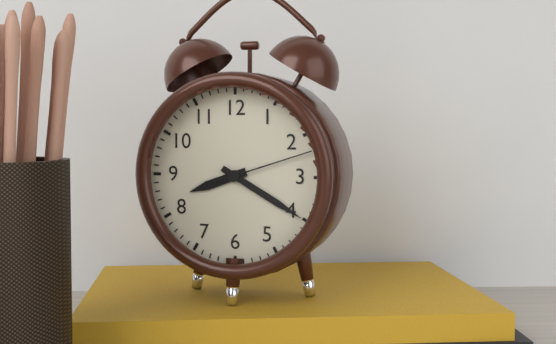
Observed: **8:20:12**
